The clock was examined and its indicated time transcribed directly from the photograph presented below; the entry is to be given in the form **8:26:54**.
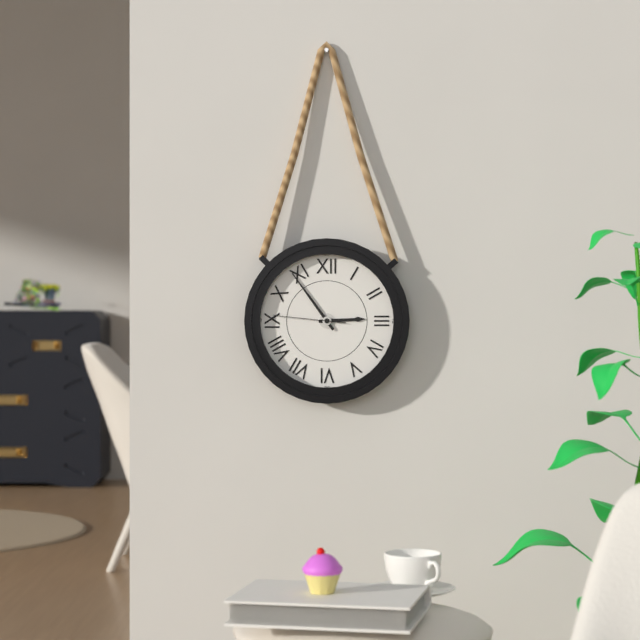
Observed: **2:54:46**
